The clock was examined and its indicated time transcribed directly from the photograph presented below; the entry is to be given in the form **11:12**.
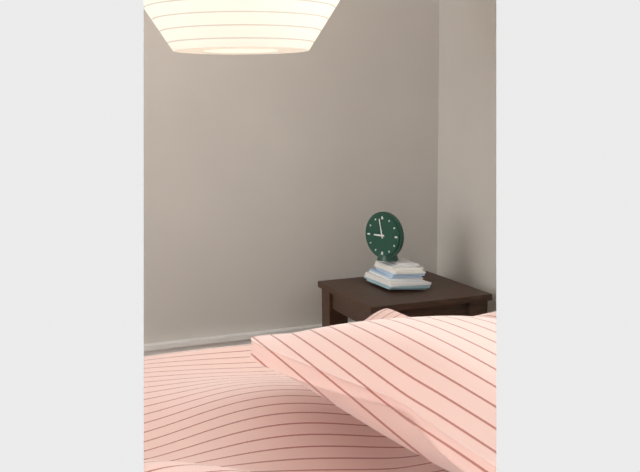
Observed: **8:58**
